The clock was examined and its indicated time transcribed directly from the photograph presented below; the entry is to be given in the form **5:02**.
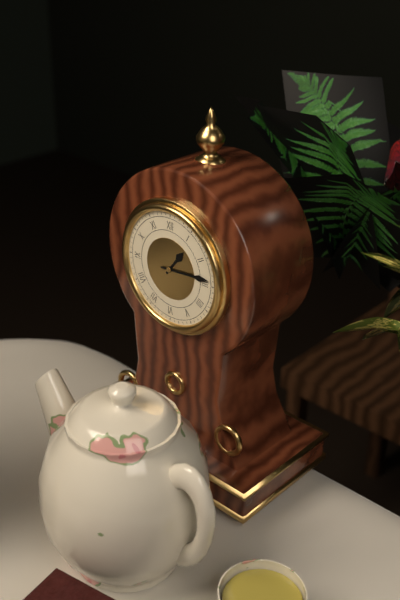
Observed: **1:14**
